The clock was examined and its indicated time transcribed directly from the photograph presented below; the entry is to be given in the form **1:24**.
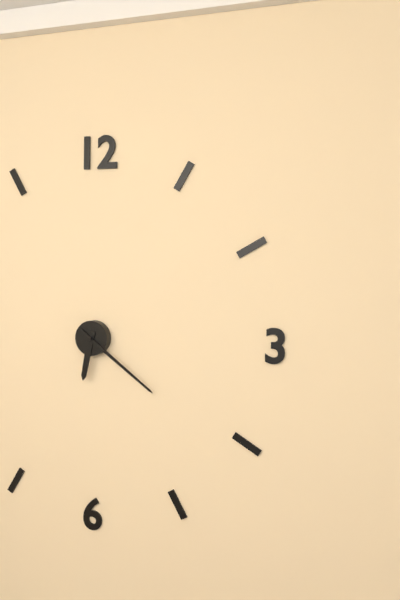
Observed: **6:21**
